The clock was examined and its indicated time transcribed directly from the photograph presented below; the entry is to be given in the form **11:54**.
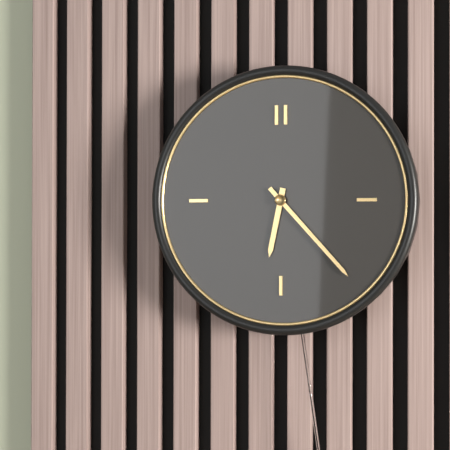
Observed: **6:23**
